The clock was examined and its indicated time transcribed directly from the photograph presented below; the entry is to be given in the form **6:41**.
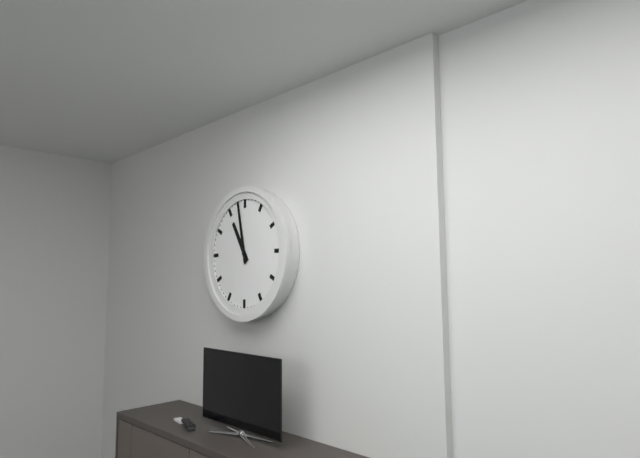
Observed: **10:58**
